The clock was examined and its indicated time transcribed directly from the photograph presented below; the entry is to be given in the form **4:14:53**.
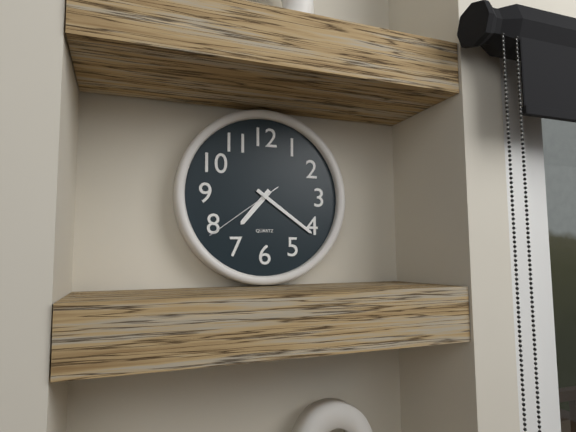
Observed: **7:21:39**
